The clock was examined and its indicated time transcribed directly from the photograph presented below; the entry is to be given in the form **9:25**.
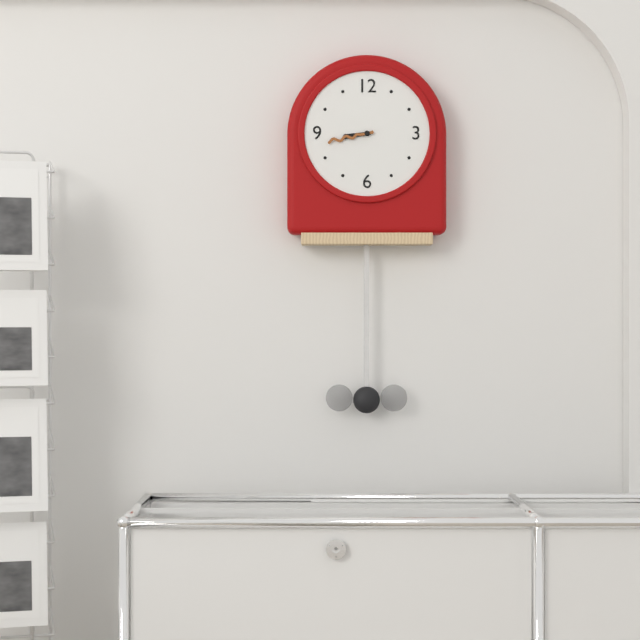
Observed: **8:43**
